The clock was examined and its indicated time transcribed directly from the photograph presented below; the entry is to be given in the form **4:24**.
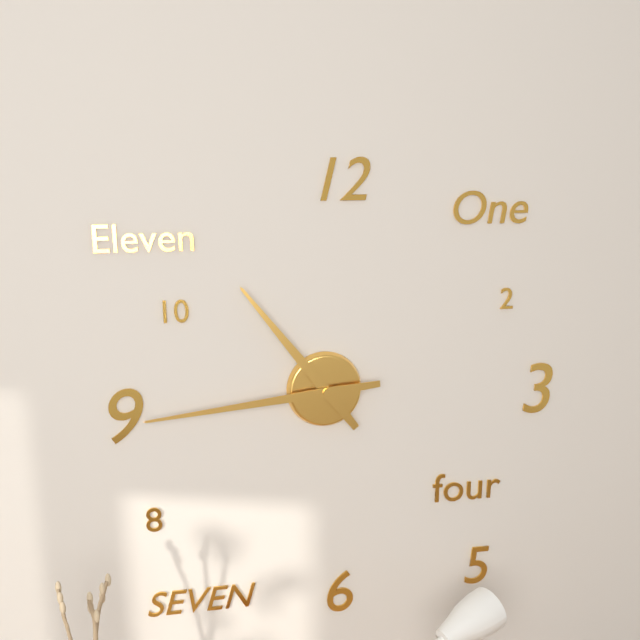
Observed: **10:44**
